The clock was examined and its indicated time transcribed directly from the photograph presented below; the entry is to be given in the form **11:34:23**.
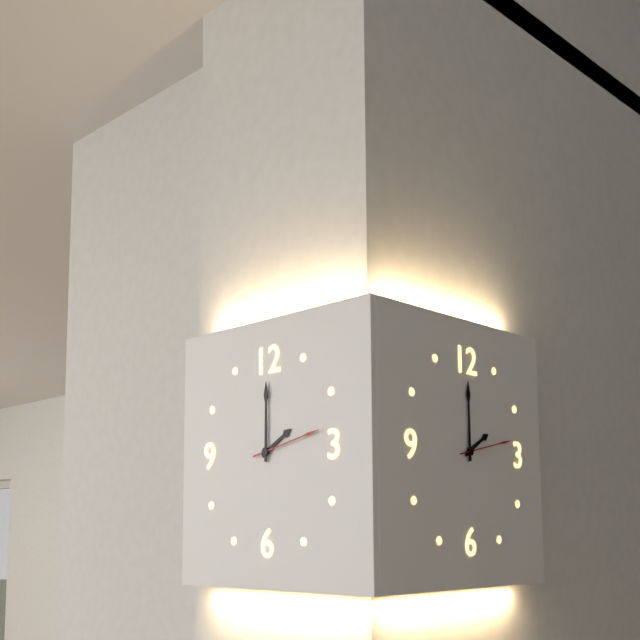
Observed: **2:00:13**
